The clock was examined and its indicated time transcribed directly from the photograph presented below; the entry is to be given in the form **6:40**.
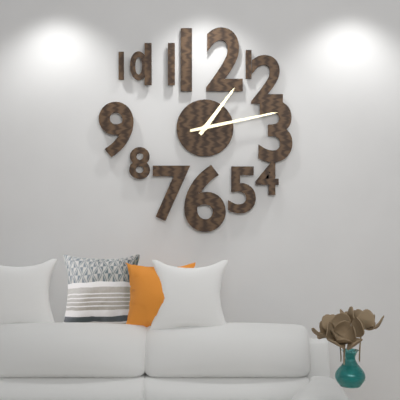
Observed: **1:13**
